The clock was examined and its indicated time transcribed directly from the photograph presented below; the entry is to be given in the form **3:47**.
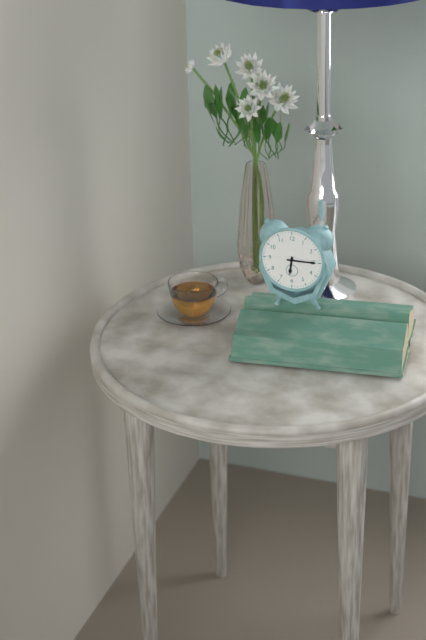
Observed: **6:15**
